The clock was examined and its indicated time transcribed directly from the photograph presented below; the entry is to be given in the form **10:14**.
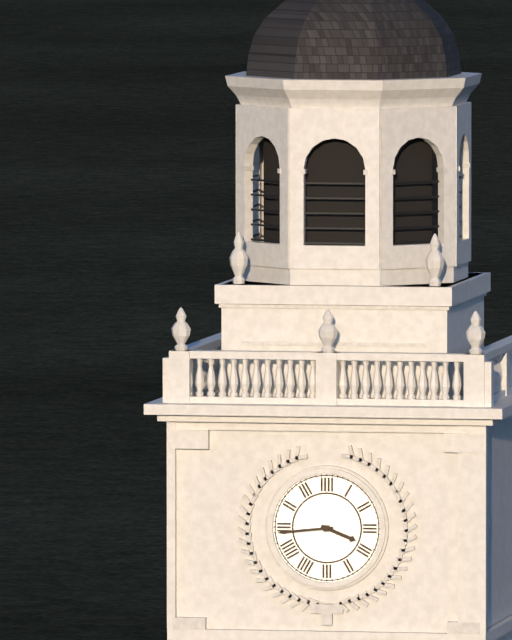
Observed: **3:44**
